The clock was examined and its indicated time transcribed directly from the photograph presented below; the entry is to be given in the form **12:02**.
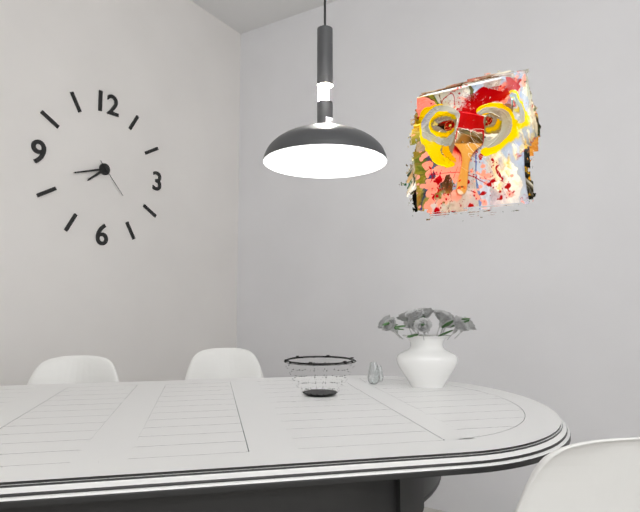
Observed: **7:42**
